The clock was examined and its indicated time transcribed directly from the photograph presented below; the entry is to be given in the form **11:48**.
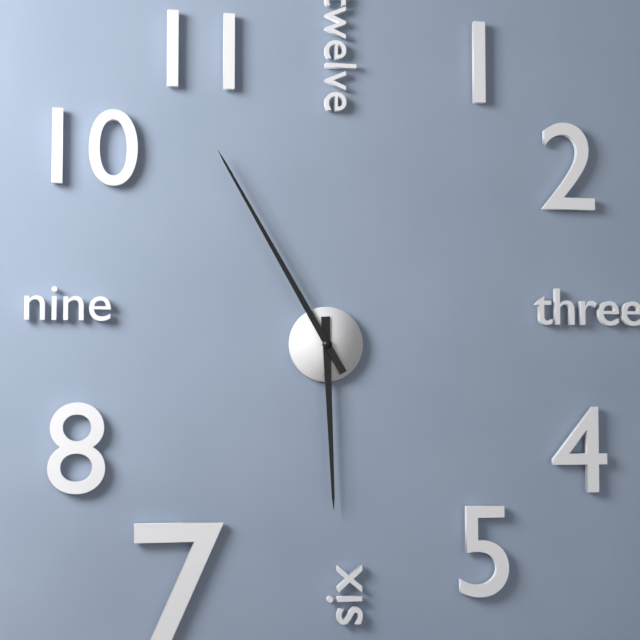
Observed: **5:55**
